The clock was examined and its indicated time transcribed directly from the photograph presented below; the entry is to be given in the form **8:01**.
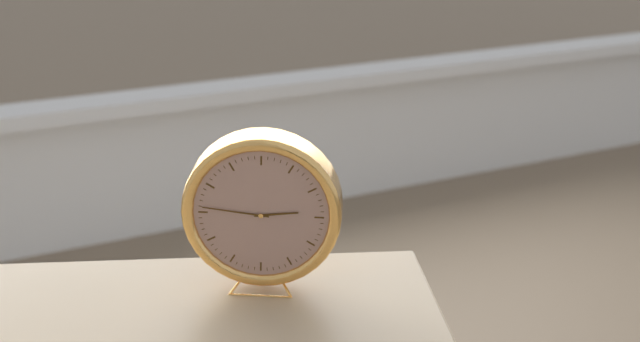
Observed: **2:46**
